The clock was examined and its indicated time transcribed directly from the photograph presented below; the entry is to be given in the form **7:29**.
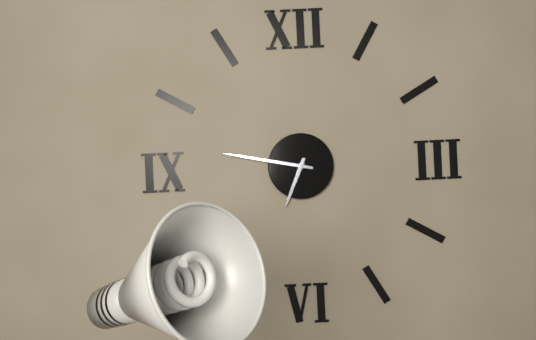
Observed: **6:47**
